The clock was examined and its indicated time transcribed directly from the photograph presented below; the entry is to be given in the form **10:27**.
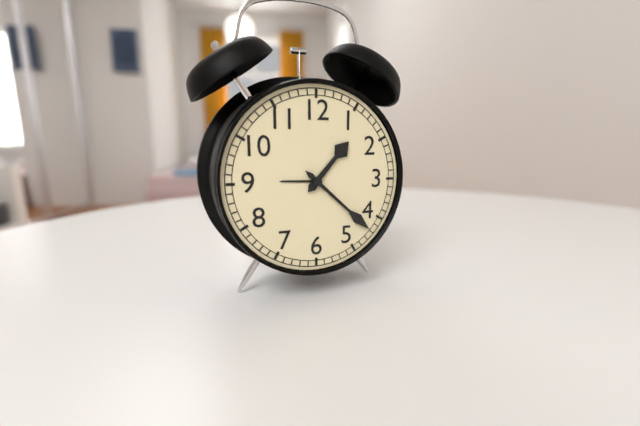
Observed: **1:22**
